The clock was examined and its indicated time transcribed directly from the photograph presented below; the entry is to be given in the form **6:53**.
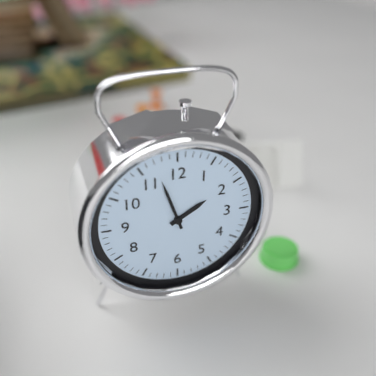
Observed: **1:57**
